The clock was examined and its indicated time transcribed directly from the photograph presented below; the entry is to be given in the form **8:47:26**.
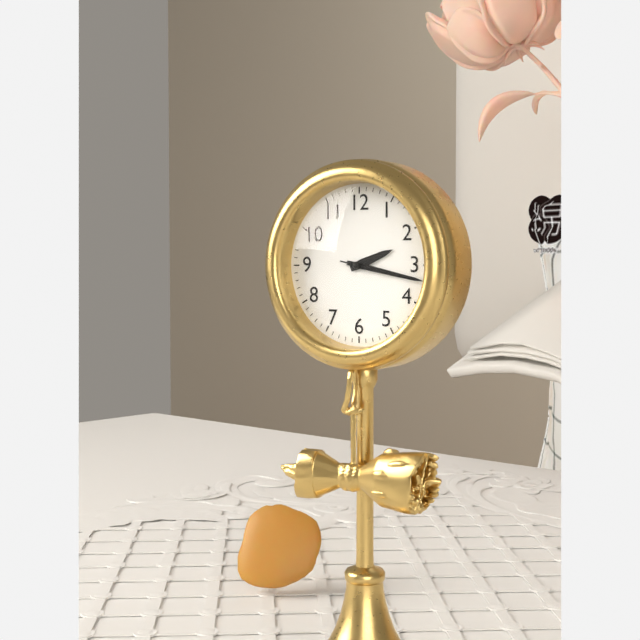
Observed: **2:17:17**
